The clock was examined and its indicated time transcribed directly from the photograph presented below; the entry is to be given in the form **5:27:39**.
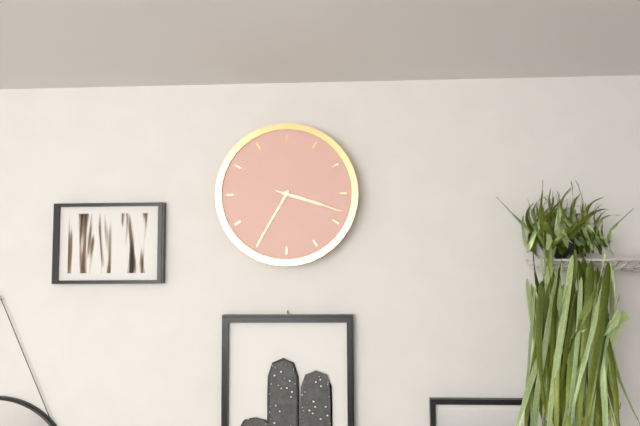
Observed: **3:35:18**
